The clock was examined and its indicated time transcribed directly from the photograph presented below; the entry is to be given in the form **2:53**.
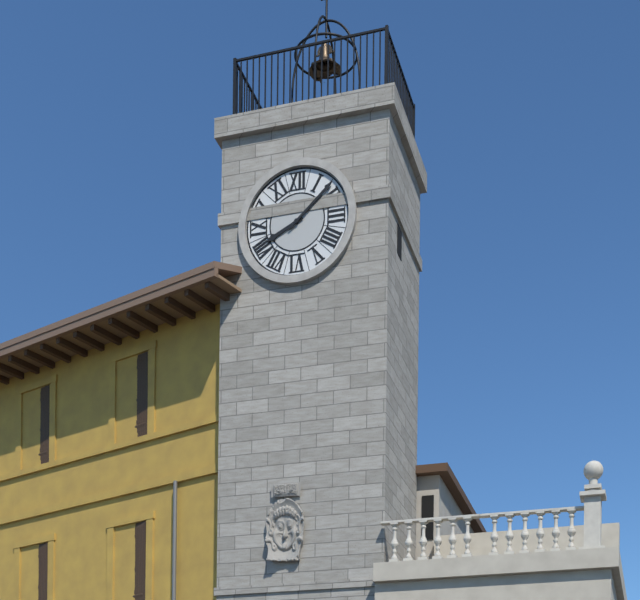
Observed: **8:08**
